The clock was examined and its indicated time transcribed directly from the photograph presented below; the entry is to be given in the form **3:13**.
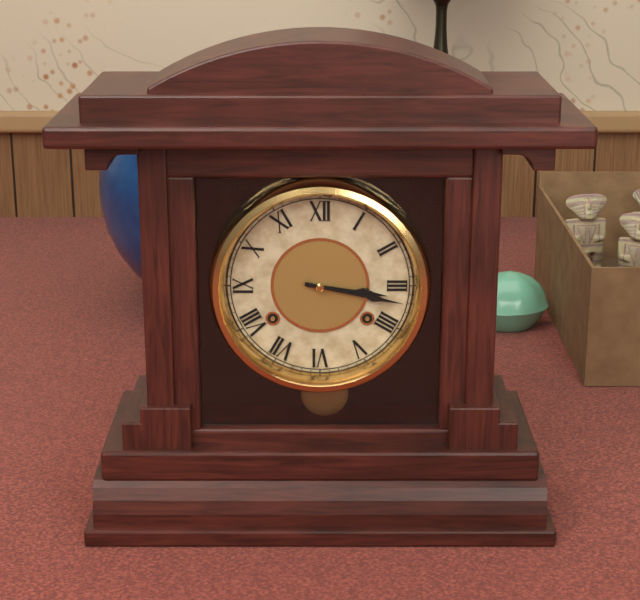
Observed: **3:17**
